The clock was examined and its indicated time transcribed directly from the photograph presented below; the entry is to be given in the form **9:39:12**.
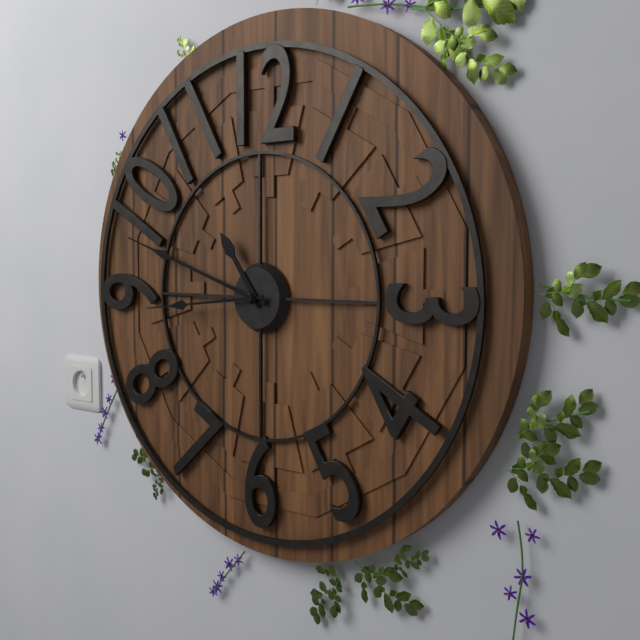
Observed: **10:48:44**
